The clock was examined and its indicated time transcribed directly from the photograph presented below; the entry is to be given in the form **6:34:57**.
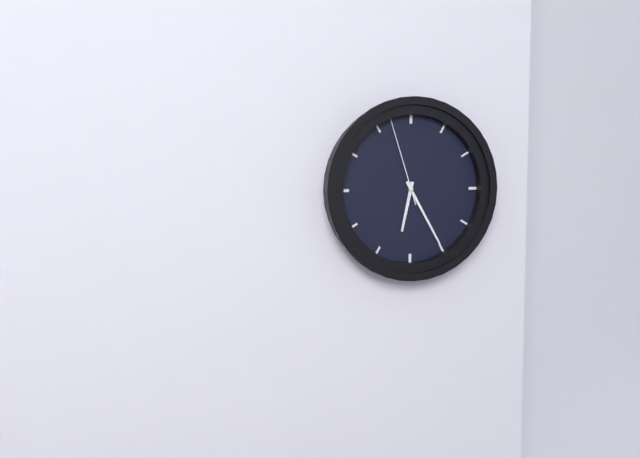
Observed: **6:25:57**
